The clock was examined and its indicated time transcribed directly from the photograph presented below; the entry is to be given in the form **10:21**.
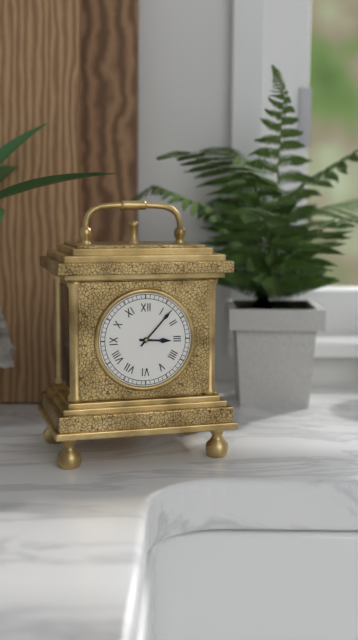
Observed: **3:07**
